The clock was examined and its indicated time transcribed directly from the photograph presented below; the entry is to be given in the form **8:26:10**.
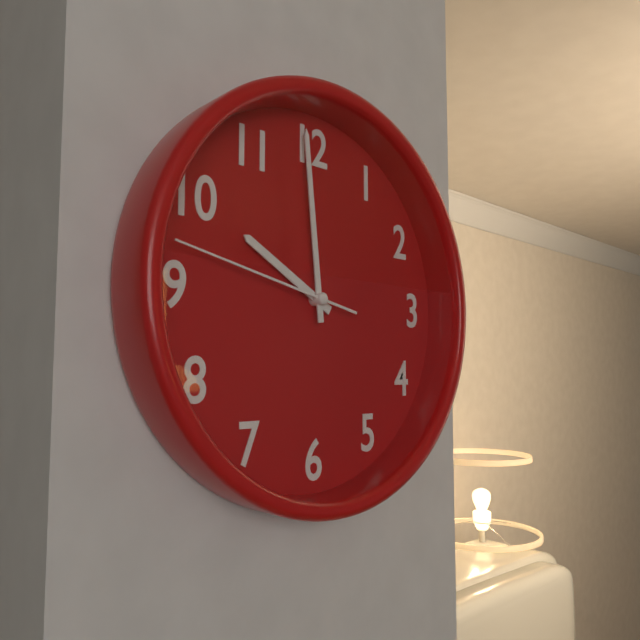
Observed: **9:59:47**
